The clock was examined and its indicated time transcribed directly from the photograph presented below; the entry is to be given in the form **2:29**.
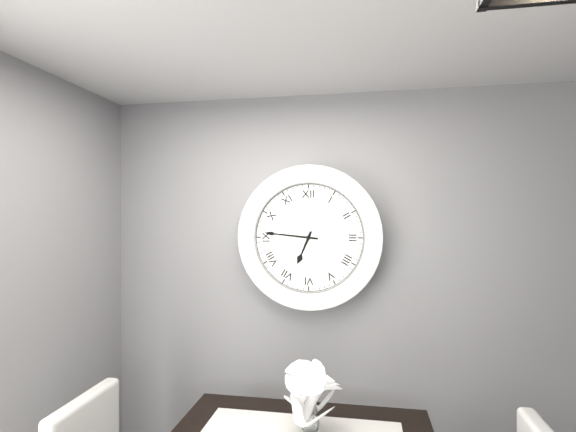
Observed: **6:46**
